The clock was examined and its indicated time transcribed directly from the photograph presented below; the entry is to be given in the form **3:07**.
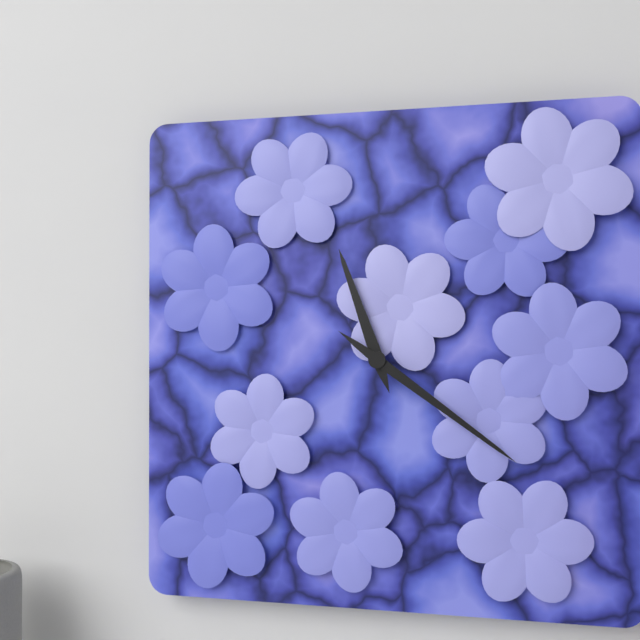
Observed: **11:21**
